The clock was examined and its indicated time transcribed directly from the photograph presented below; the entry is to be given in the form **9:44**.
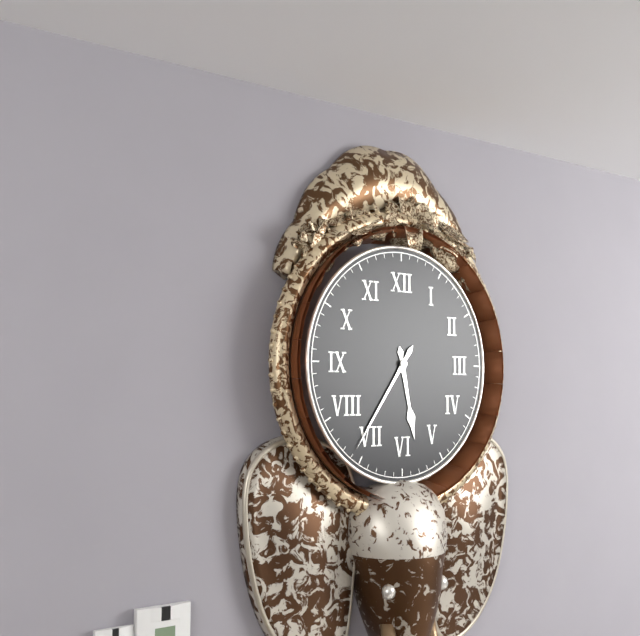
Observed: **5:36**
